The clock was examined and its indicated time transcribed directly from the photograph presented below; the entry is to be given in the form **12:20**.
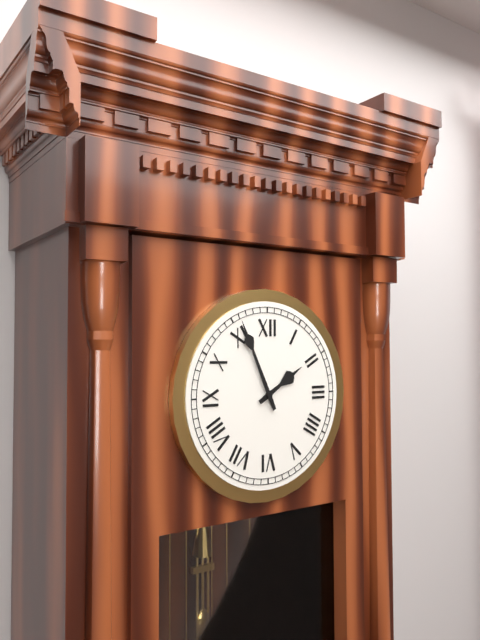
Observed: **1:56**
